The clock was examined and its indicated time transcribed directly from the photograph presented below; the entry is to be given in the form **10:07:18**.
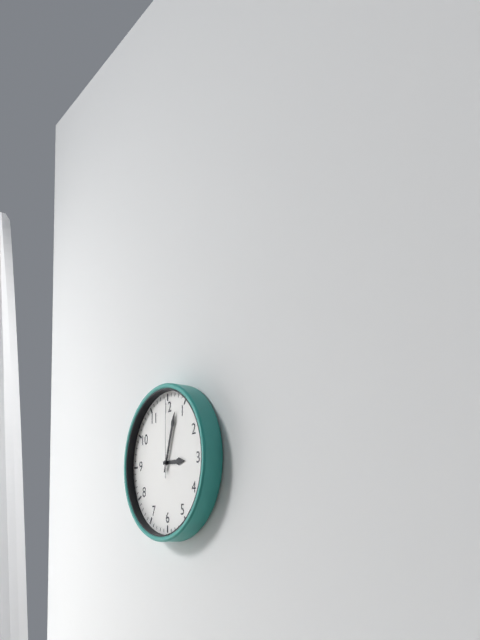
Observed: **3:03:00**
